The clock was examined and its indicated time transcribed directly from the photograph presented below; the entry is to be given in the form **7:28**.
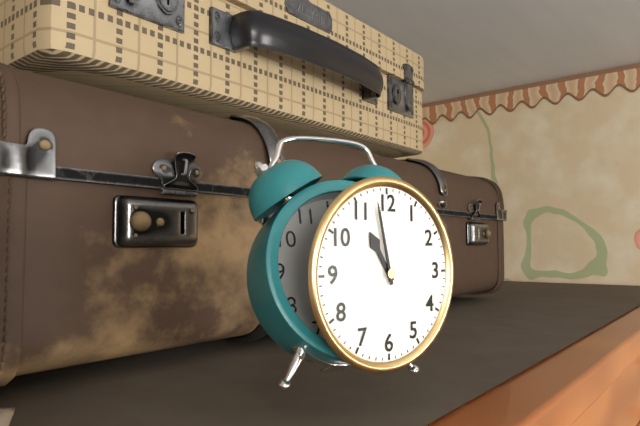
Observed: **10:58**
